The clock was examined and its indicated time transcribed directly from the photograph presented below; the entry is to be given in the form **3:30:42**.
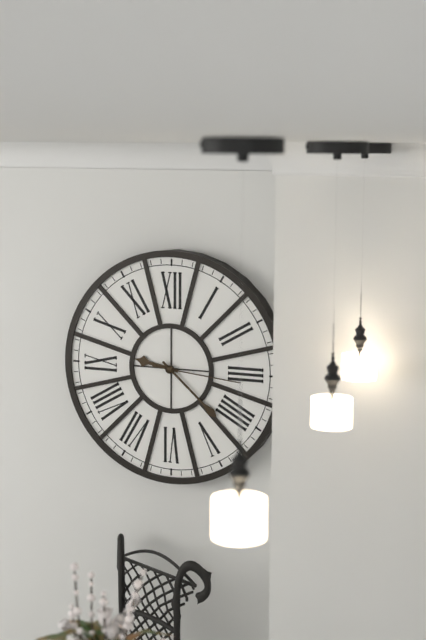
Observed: **9:22:16**
